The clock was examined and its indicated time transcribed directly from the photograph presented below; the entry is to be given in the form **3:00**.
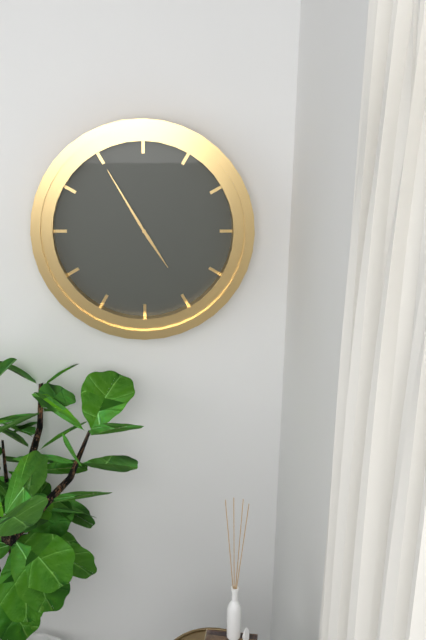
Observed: **4:55**
